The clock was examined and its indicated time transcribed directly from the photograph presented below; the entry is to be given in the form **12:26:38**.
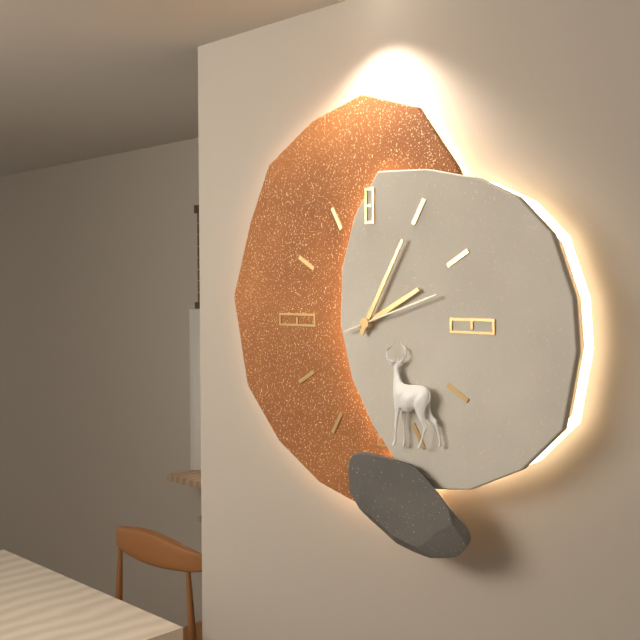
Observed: **2:05:12**
